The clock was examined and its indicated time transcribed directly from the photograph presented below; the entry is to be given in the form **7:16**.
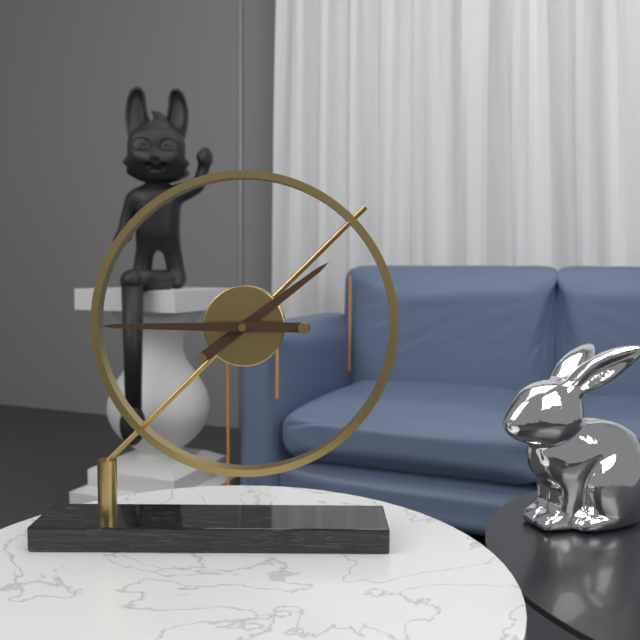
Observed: **1:45**
